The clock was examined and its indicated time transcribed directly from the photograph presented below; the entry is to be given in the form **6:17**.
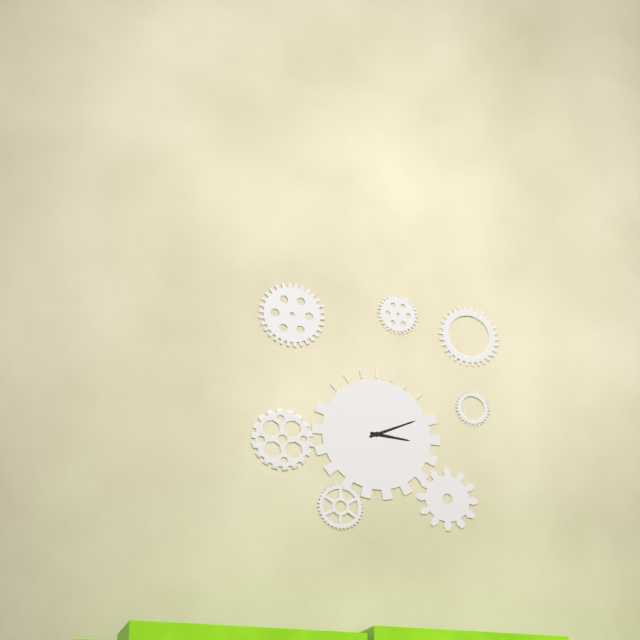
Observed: **3:11**
